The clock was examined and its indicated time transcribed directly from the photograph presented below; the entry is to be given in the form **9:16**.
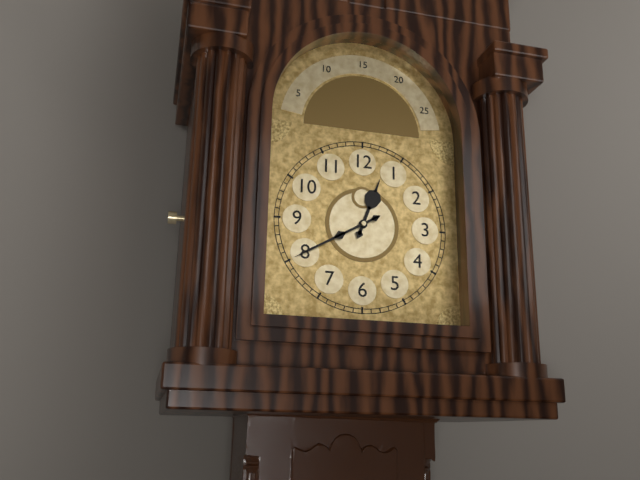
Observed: **12:40**
